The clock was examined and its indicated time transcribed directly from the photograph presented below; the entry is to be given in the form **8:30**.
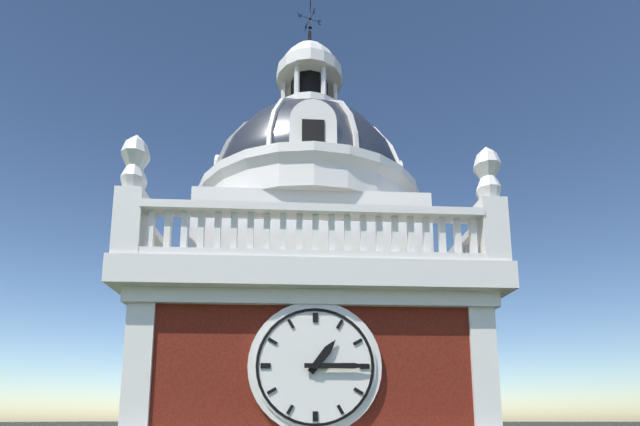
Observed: **1:15**
